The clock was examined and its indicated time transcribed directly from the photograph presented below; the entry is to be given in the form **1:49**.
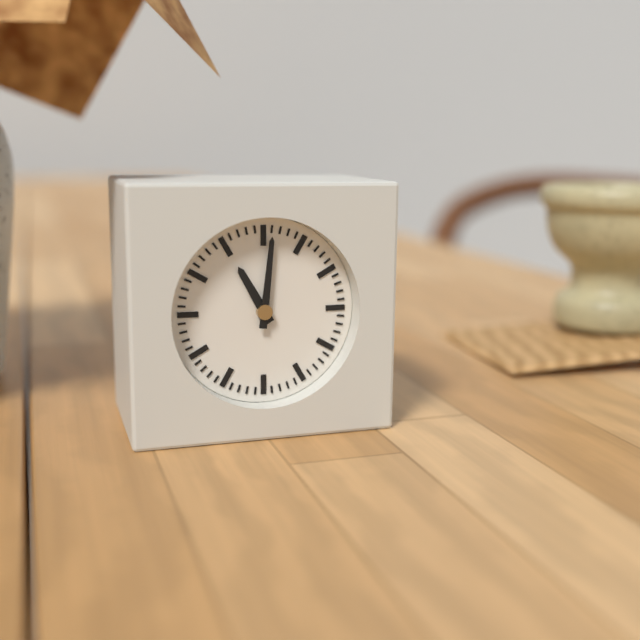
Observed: **11:01**
